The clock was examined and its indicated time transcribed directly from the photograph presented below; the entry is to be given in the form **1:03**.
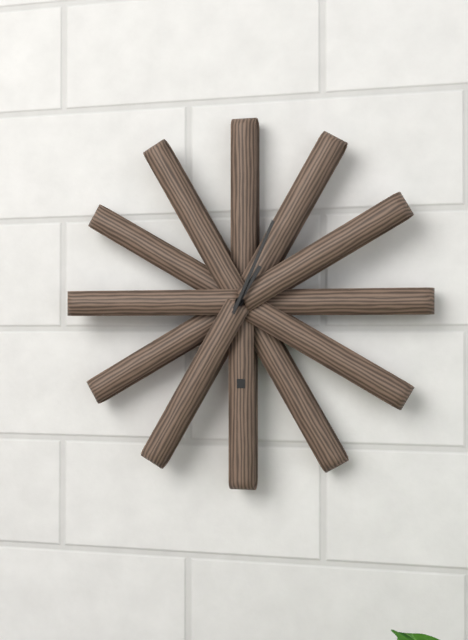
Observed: **1:04**
